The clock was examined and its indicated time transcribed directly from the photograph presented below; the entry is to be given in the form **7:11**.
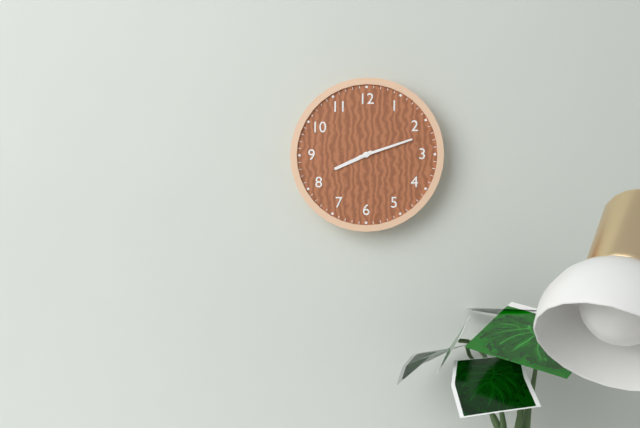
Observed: **8:12**
